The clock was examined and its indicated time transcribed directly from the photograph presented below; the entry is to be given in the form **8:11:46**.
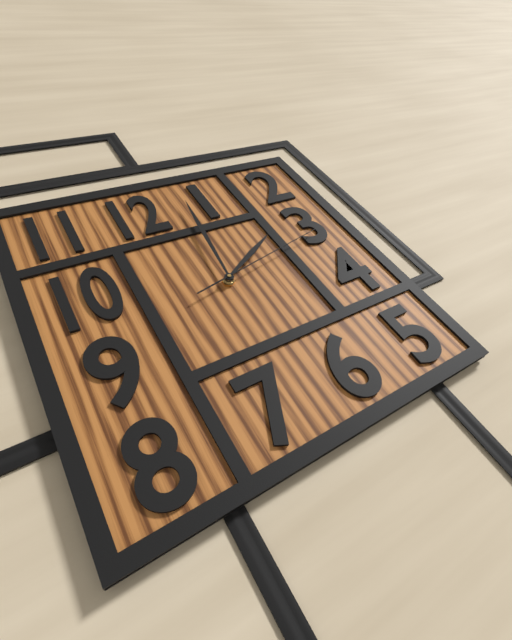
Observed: **2:01:13**
